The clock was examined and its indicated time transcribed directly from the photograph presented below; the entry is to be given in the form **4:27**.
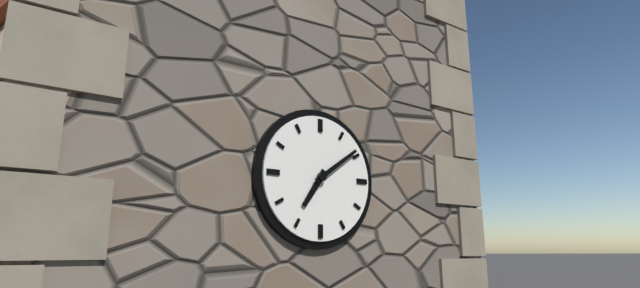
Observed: **7:09**
